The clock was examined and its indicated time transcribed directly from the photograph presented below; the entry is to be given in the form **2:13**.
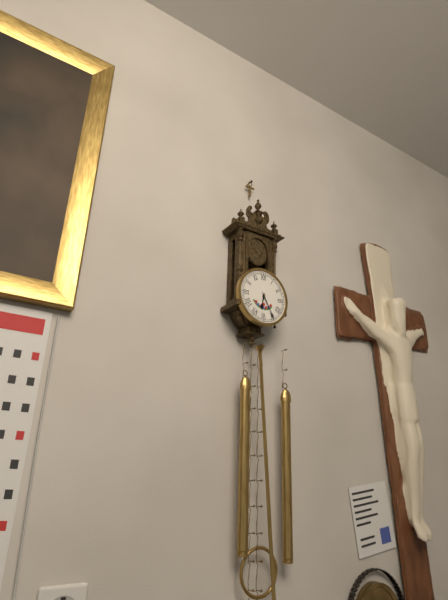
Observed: **6:25**
